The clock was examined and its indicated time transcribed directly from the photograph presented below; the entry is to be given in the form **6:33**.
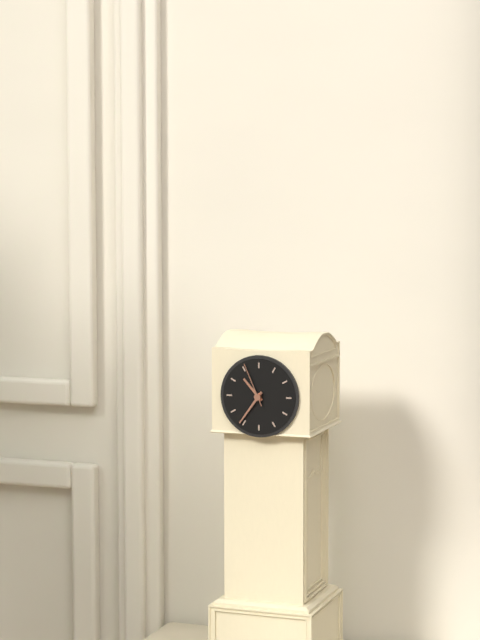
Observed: **10:36**
